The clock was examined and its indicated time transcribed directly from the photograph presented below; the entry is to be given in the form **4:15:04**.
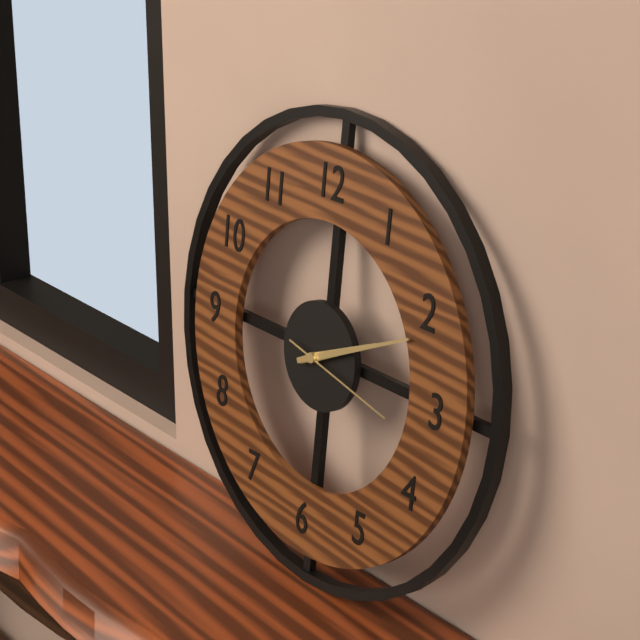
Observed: **2:11:17**
